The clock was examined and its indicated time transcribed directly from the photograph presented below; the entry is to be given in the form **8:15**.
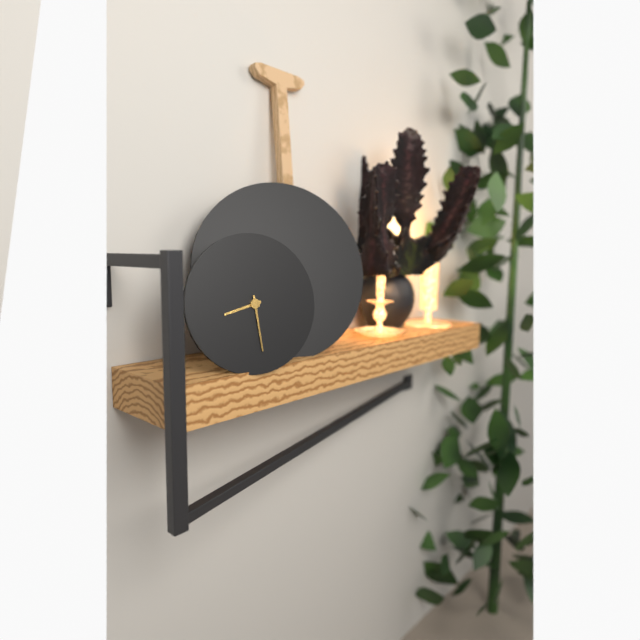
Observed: **8:29**
